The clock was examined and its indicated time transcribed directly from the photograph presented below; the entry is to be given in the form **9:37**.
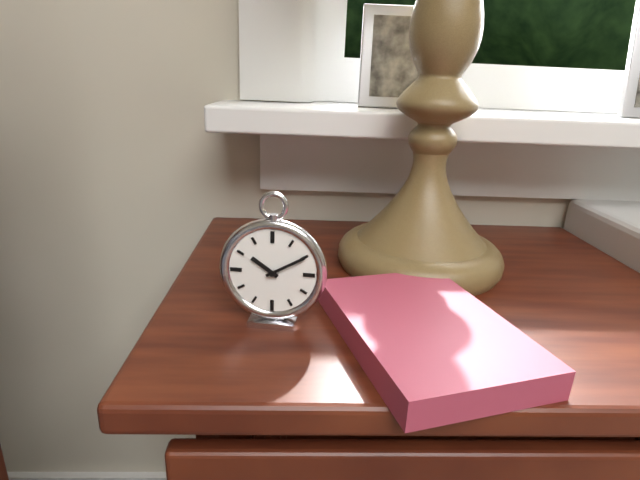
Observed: **10:10**
